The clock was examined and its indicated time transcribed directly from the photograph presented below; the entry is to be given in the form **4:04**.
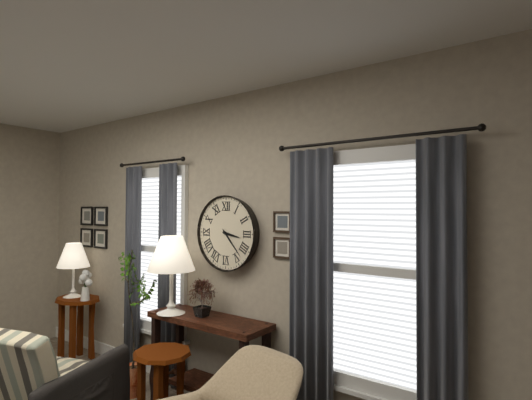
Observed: **3:23**
